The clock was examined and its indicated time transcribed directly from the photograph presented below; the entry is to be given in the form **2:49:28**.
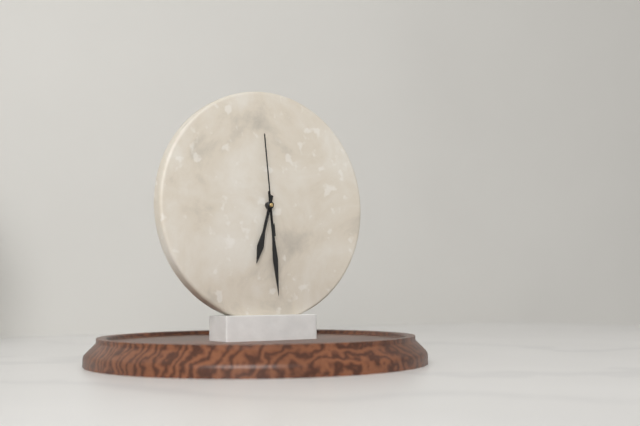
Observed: **6:29:59**
